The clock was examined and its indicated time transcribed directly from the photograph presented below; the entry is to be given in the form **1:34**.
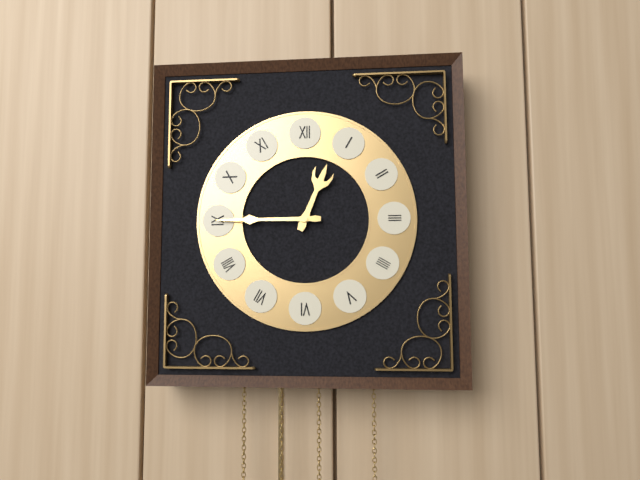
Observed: **12:45**
